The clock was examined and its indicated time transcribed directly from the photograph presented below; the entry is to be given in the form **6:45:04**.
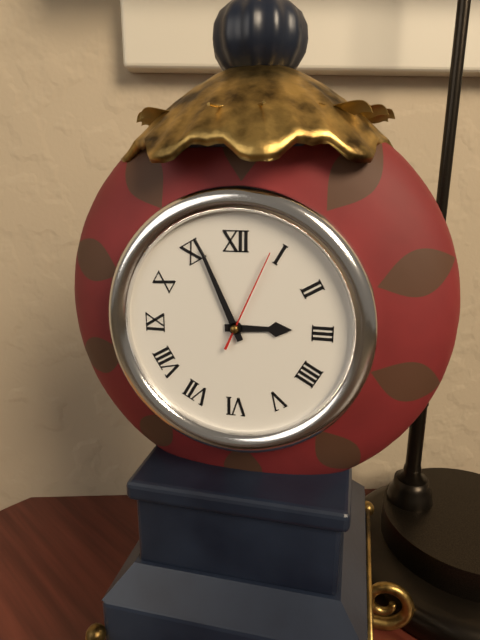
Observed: **2:56:04**
